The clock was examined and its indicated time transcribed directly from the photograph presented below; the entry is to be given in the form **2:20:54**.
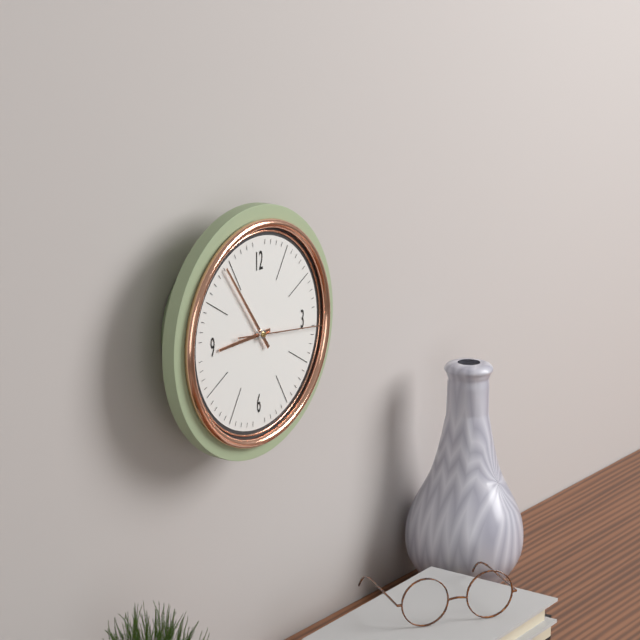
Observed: **8:54:16**
